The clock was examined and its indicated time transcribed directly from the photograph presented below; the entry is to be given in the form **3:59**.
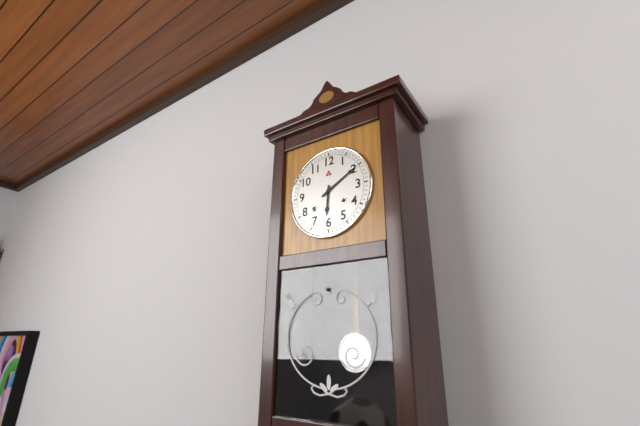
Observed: **6:10**
